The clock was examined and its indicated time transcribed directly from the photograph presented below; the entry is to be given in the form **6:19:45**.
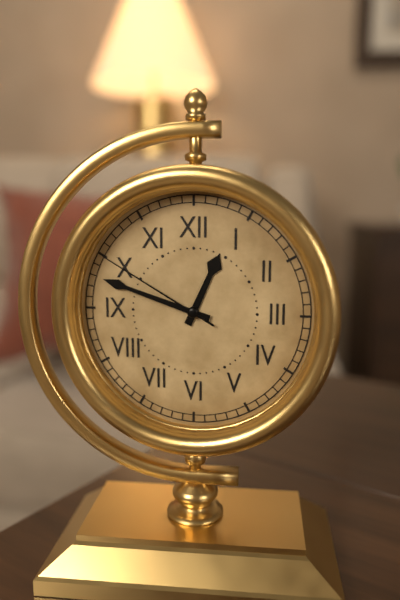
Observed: **12:48:50**
